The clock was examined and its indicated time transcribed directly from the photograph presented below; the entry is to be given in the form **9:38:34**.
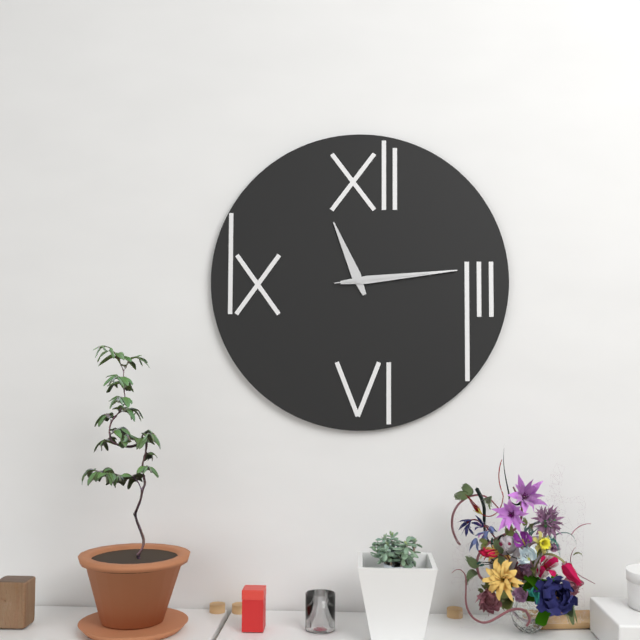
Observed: **11:14:14**
